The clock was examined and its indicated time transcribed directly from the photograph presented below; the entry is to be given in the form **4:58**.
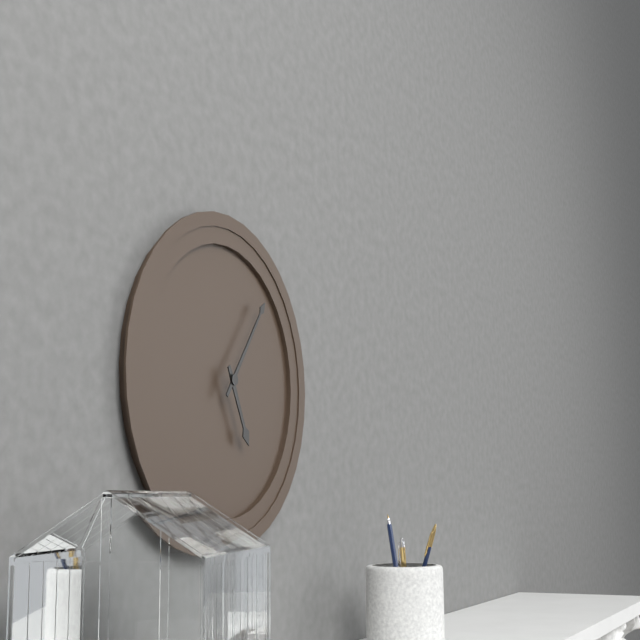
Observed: **5:06**
